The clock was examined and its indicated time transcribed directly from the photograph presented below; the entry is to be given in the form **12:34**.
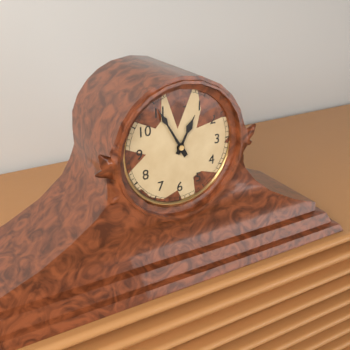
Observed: **12:55**
